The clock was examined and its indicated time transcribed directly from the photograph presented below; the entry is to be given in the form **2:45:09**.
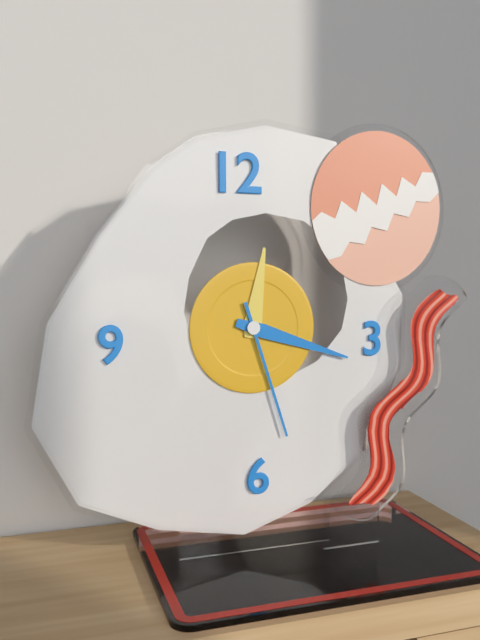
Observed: **12:18:27**
